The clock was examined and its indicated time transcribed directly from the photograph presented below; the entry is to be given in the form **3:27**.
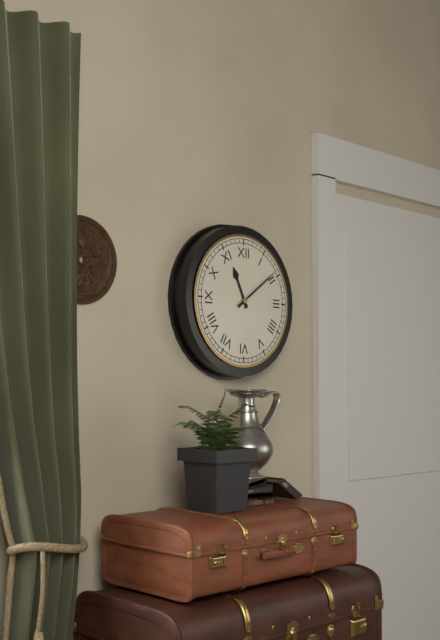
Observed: **11:09**
